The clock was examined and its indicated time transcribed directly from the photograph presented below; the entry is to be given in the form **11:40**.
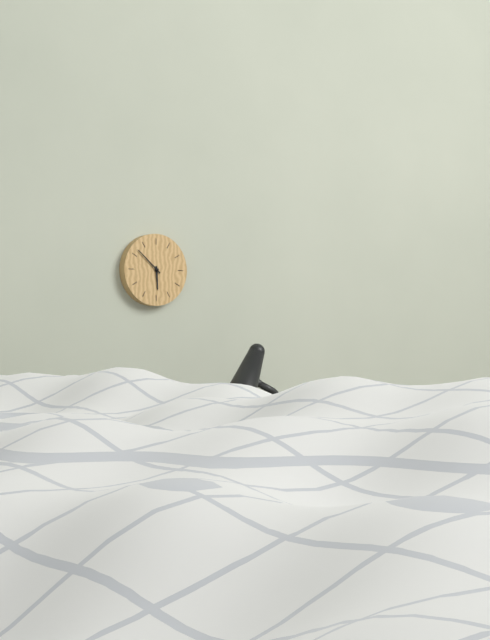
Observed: **5:52**
